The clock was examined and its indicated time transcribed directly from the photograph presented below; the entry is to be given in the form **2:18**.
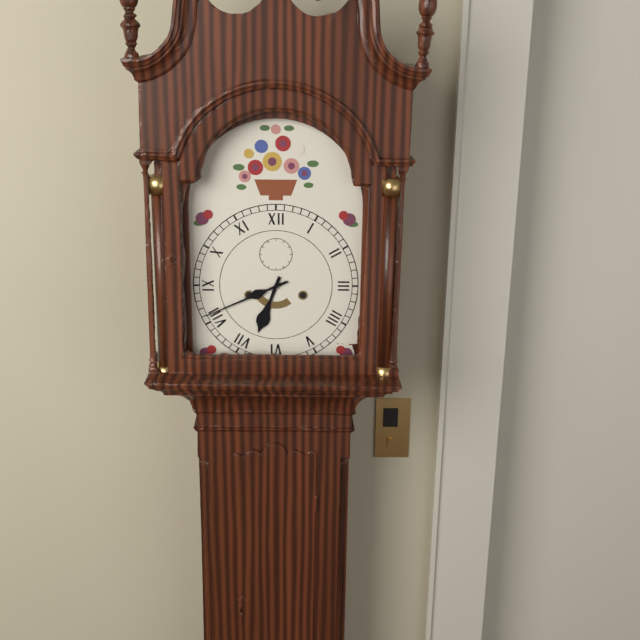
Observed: **6:41**
